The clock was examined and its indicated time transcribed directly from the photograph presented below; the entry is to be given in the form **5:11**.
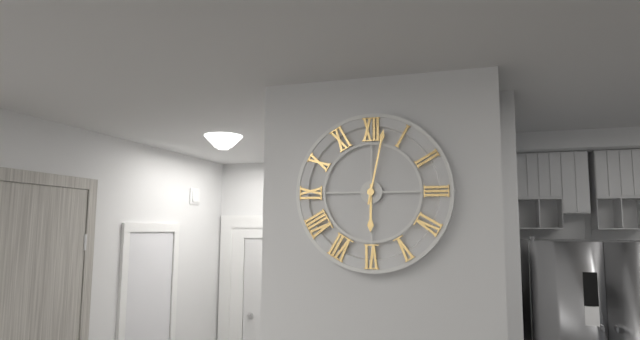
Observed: **6:02**
